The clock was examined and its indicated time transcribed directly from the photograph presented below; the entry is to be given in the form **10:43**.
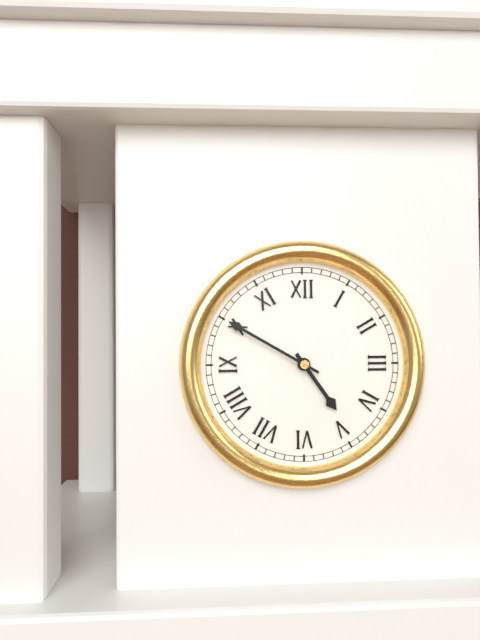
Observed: **4:50**
